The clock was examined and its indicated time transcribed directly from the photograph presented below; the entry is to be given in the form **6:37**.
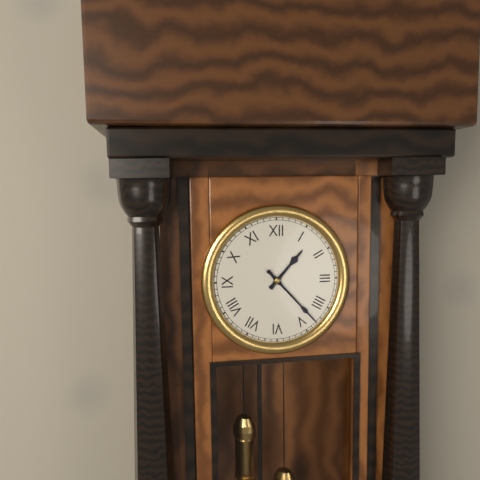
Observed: **1:23**
